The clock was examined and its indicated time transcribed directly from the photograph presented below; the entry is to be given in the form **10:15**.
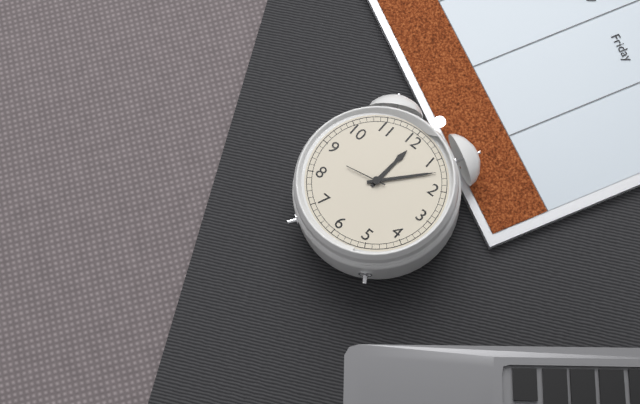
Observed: **12:07**
